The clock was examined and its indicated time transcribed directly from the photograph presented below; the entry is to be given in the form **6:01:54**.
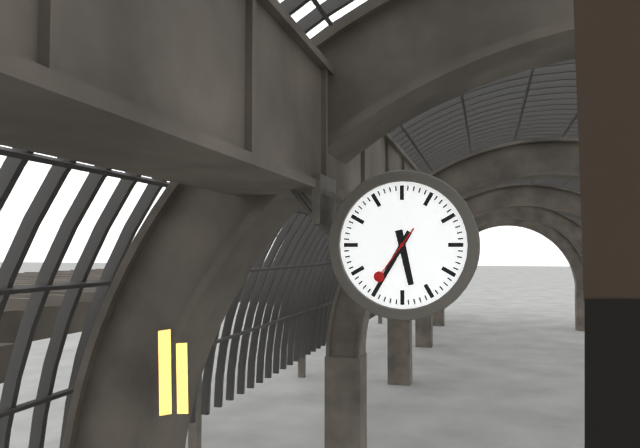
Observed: **5:35:36**
